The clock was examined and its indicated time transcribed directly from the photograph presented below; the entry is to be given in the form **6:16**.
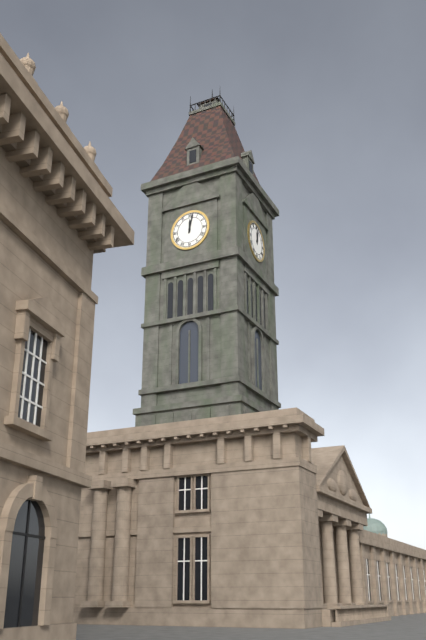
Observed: **12:02**
